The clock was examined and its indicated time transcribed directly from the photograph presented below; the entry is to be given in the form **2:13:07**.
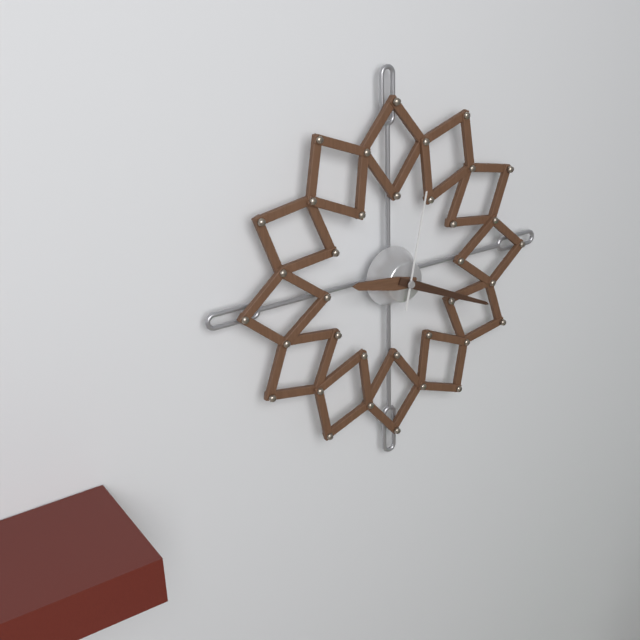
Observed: **9:19:02**
